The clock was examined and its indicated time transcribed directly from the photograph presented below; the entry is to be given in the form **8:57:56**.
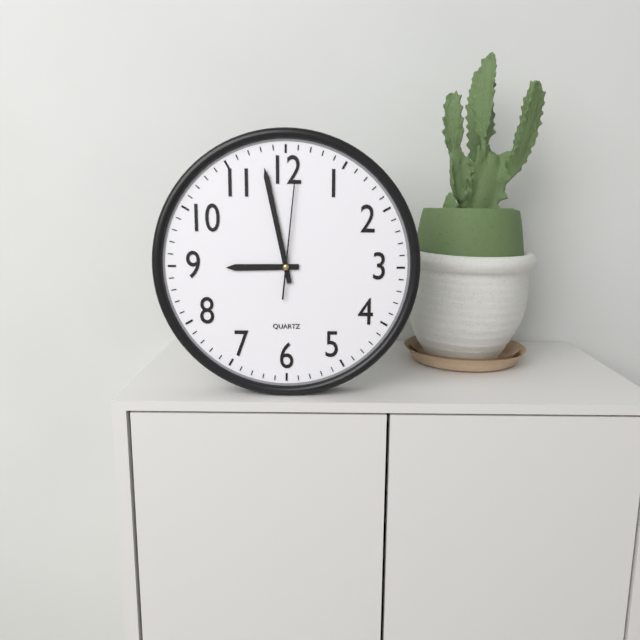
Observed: **8:58:01**
